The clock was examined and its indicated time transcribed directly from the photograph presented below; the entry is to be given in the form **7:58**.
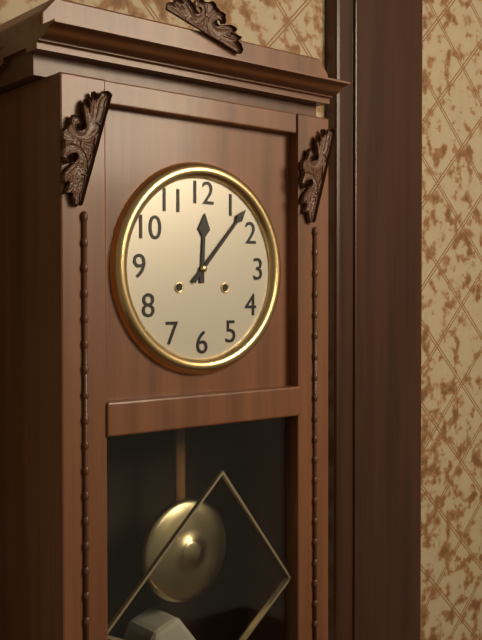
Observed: **12:07**
